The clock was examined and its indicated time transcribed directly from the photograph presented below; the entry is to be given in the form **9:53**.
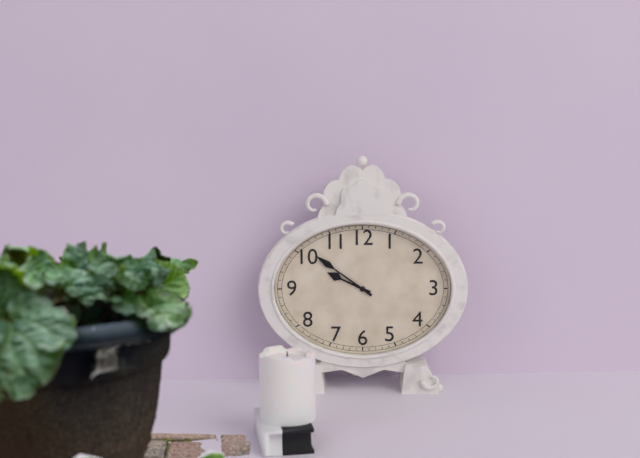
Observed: **9:51**
